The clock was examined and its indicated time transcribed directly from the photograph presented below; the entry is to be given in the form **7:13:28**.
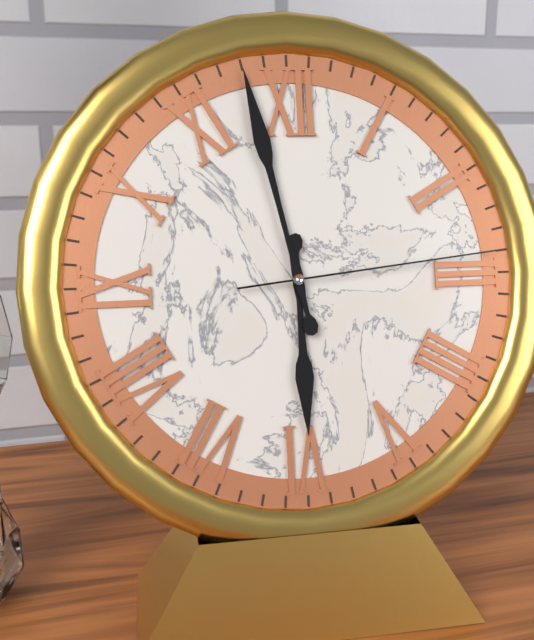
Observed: **5:58:14**
